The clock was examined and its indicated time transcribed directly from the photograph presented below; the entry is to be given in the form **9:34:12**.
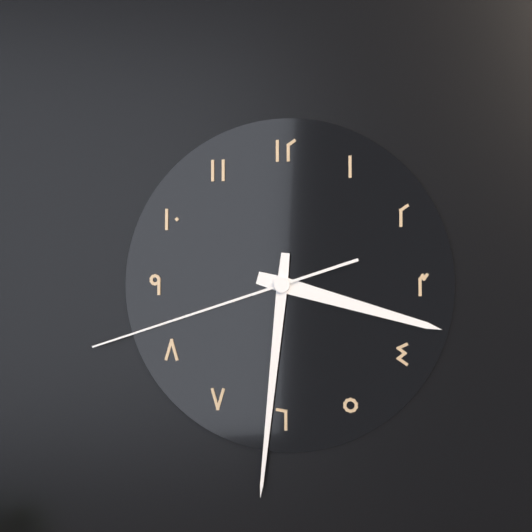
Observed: **3:31:42**
